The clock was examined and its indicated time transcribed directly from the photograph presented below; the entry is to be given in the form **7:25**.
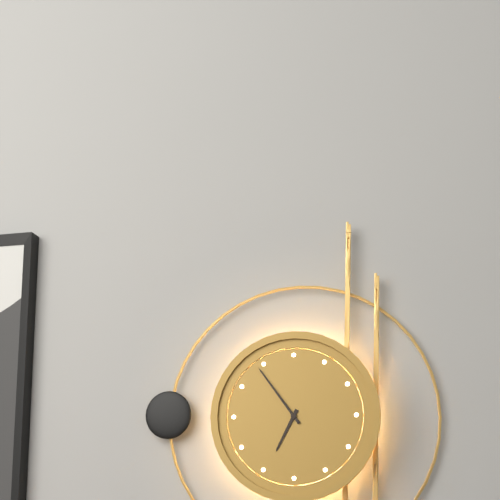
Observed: **6:54**
